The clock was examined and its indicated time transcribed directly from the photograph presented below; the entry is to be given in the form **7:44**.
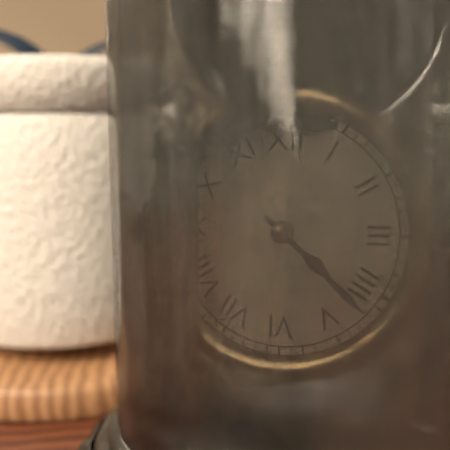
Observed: **4:22**
